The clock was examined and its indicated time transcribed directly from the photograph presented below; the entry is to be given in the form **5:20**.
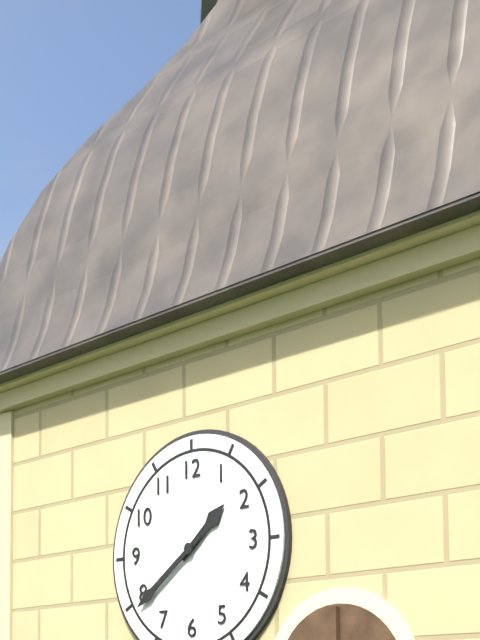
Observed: **1:39**
